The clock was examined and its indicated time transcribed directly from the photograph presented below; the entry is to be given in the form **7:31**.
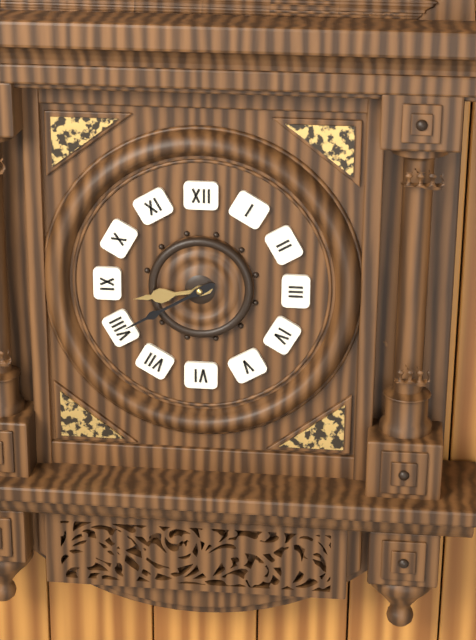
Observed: **8:40**
